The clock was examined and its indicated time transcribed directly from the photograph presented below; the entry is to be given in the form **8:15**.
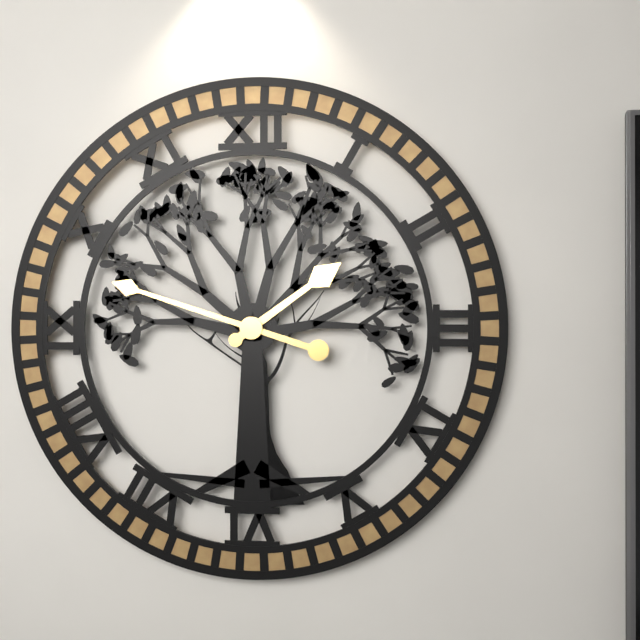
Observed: **1:48**
